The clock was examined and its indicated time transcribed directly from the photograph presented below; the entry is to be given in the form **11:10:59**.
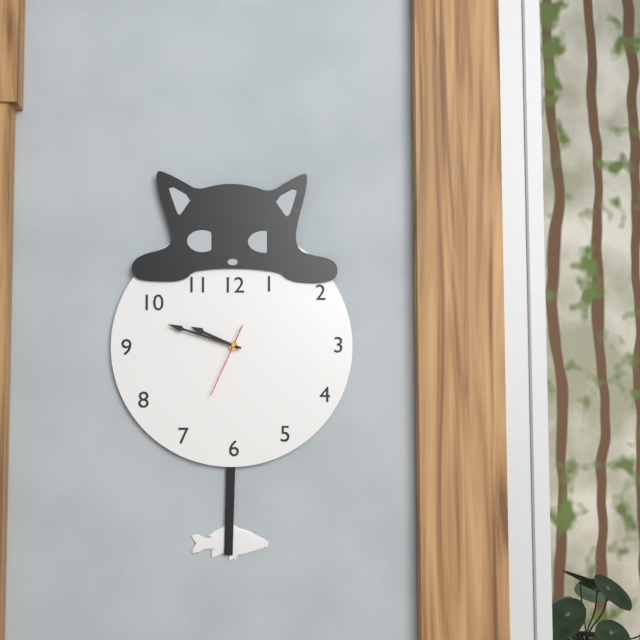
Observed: **9:48:34**
